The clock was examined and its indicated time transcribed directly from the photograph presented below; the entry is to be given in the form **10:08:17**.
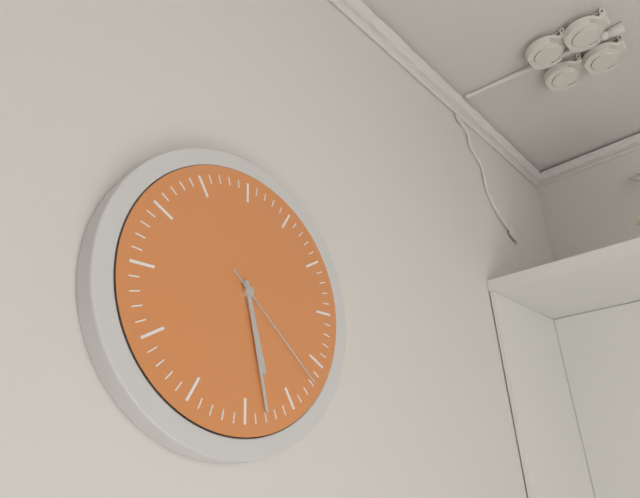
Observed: **5:28:22**
